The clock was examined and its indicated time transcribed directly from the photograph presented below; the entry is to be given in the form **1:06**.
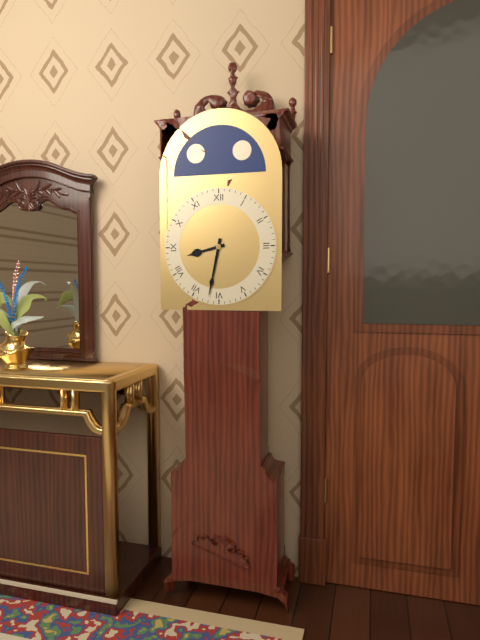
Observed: **8:32**
